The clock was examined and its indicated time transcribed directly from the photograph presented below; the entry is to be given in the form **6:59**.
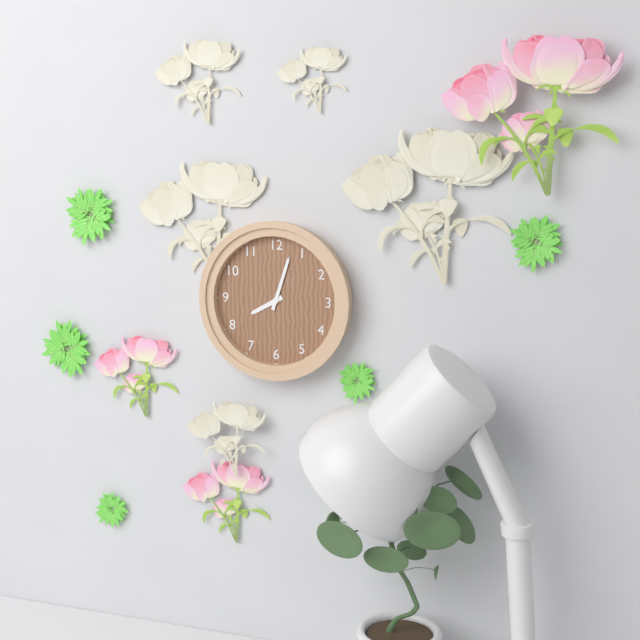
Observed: **8:03**
